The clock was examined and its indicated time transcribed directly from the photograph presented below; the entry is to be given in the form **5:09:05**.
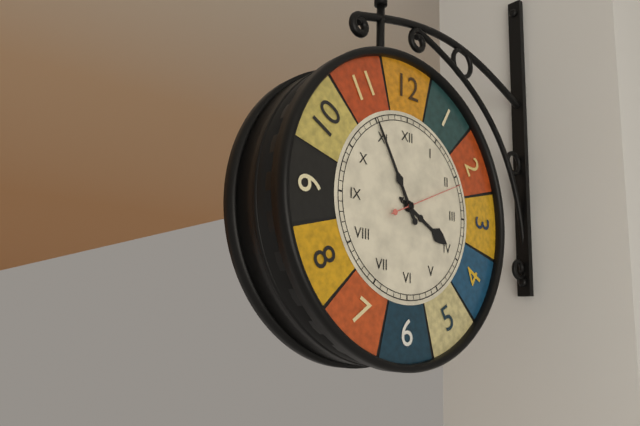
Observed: **3:55:11**
